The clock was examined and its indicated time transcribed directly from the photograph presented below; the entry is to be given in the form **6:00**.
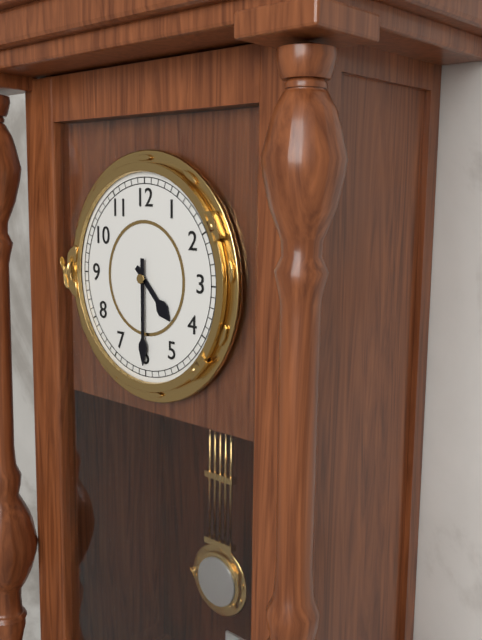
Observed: **4:30**
